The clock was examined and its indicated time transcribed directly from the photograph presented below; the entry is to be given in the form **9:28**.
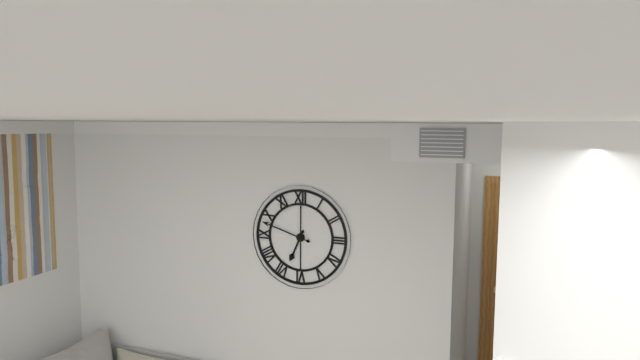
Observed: **6:48**
